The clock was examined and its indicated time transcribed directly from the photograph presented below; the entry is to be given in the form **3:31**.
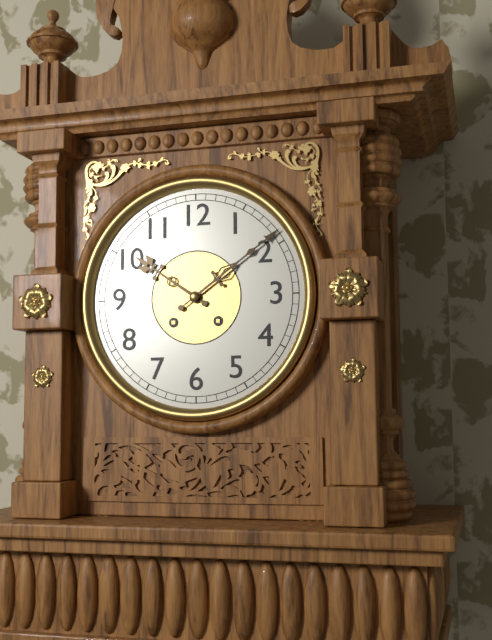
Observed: **10:09**
